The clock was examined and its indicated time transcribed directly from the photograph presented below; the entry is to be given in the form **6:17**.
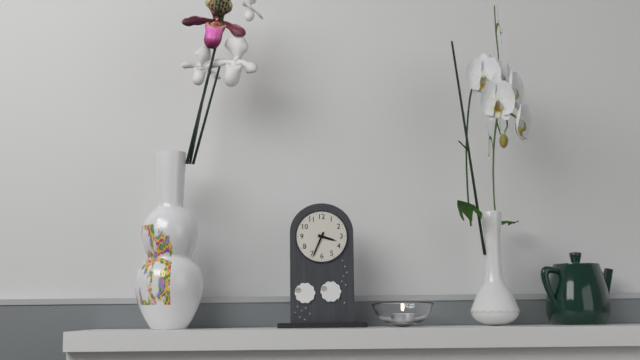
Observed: **3:34**
